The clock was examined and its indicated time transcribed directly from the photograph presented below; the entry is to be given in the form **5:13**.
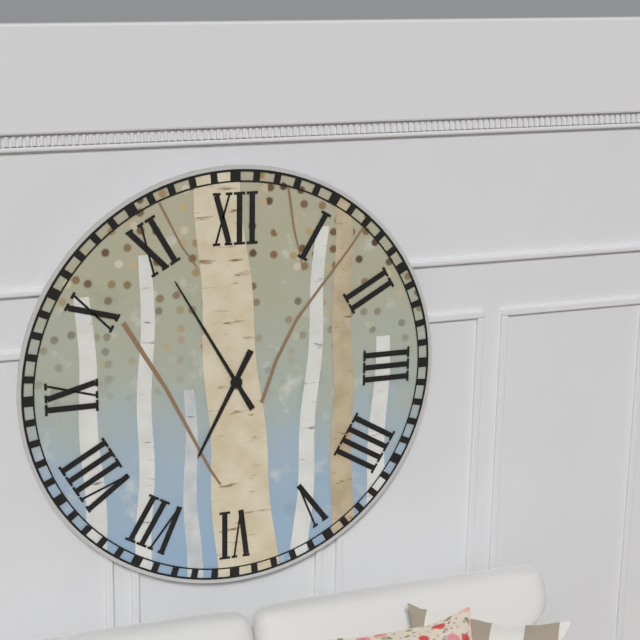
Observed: **6:55**
